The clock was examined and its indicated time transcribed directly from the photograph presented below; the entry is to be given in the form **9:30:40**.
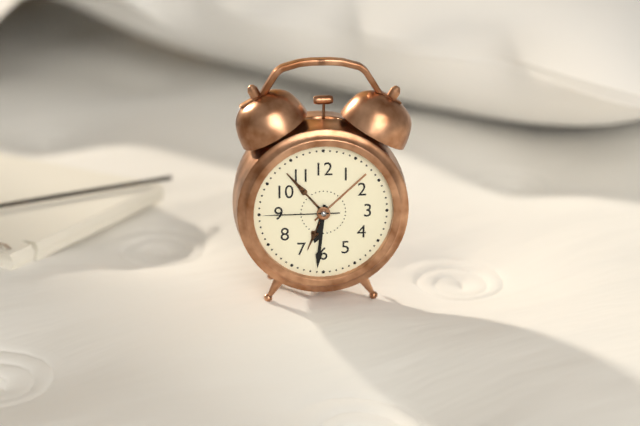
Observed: **6:31:45**
